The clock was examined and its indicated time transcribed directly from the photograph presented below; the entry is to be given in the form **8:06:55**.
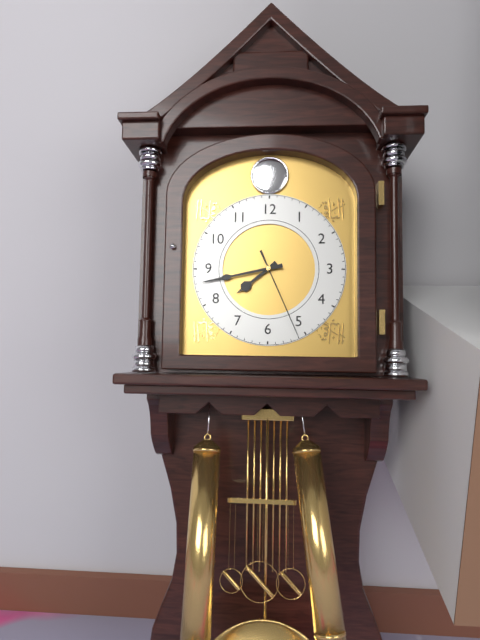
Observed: **7:43:26**
